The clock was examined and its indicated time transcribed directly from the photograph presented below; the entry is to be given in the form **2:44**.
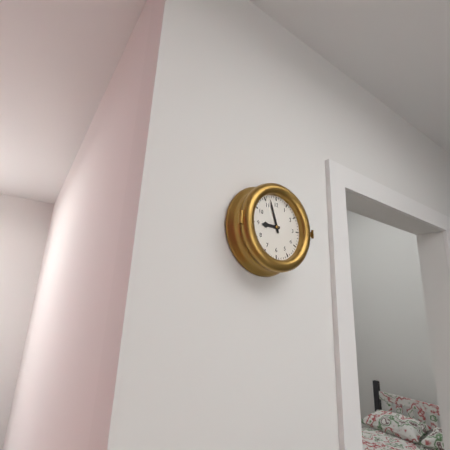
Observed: **8:57**
